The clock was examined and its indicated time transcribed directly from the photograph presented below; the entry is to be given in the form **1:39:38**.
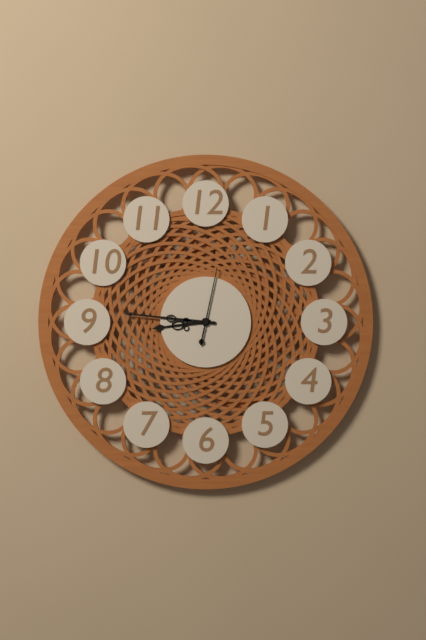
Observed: **8:46:02**
